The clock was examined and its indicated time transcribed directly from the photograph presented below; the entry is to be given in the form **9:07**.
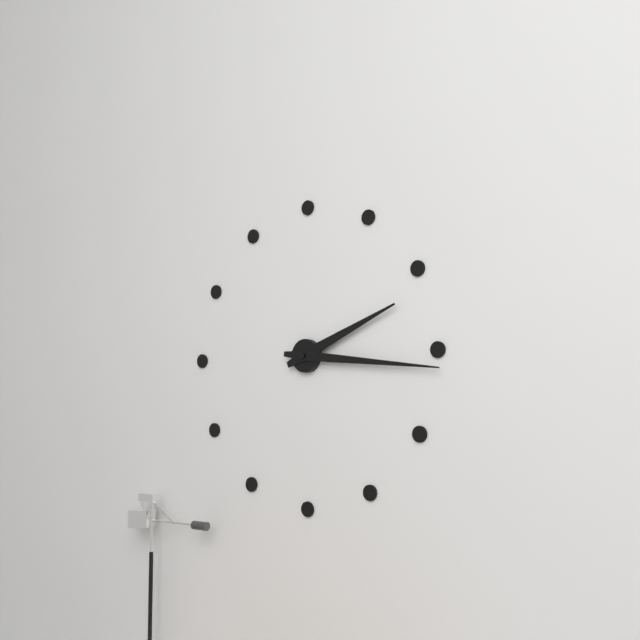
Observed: **2:16**
